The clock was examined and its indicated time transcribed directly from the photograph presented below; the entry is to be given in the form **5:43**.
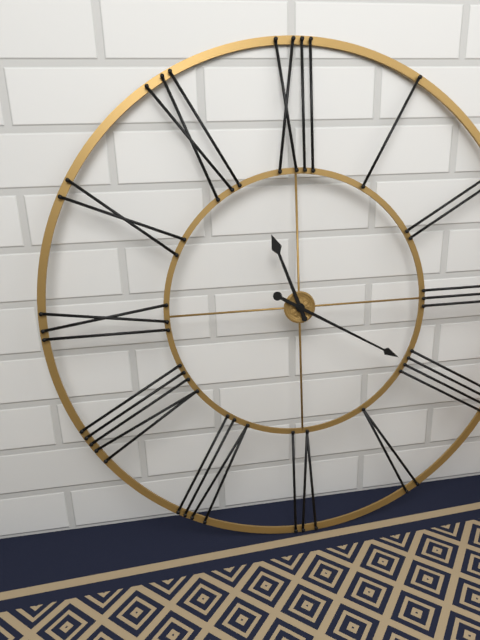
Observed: **11:20**
